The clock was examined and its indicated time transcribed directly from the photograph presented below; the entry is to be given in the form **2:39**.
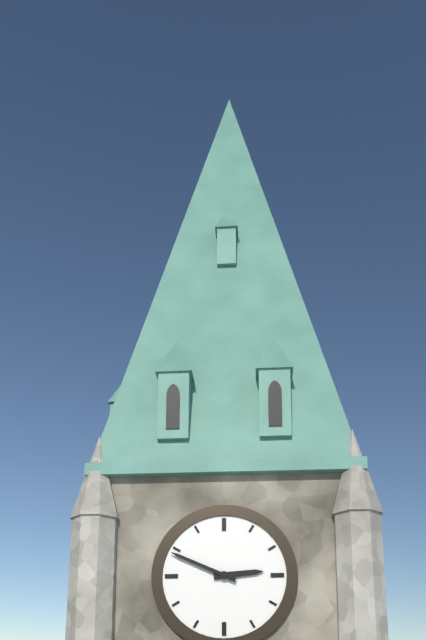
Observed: **2:49**
